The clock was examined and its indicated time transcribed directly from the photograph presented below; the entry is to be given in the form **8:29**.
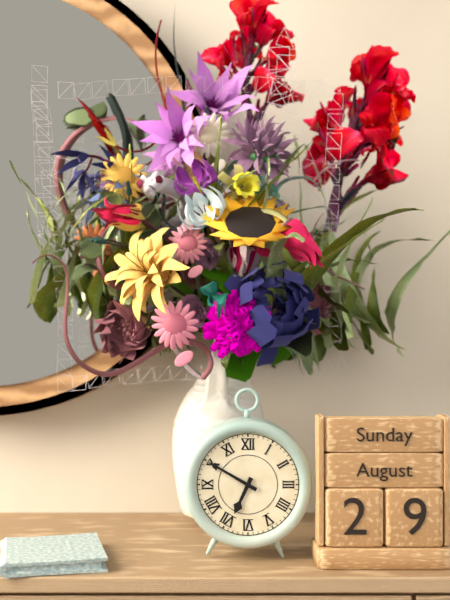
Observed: **6:50**
